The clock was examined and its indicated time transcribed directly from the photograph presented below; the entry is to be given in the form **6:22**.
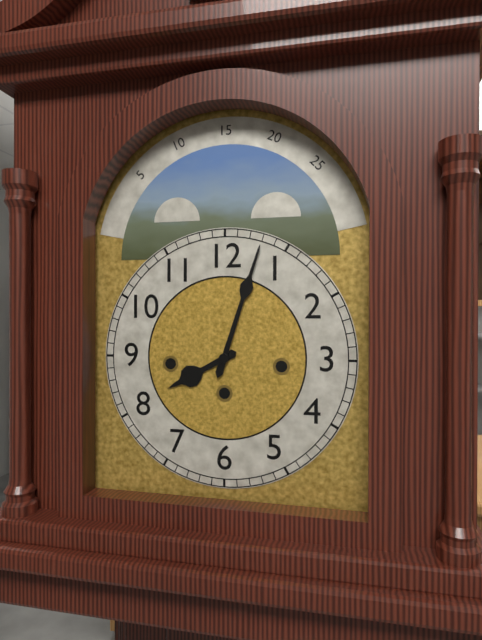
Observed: **8:03**
